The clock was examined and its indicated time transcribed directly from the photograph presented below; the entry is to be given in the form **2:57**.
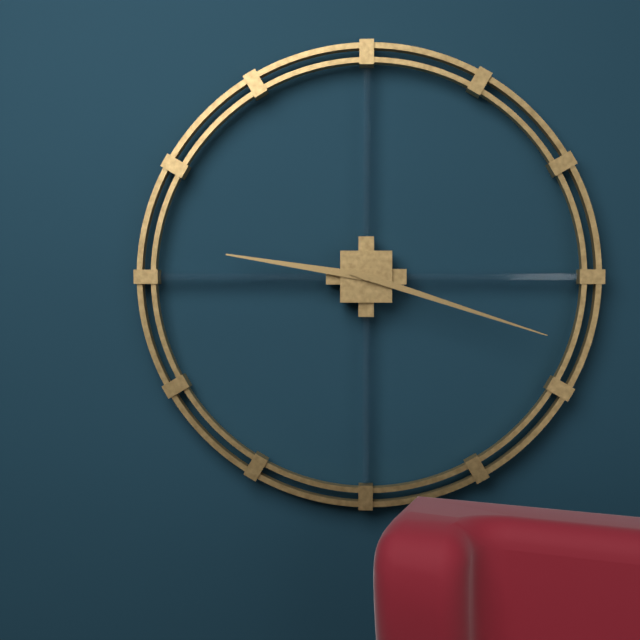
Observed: **9:18**
